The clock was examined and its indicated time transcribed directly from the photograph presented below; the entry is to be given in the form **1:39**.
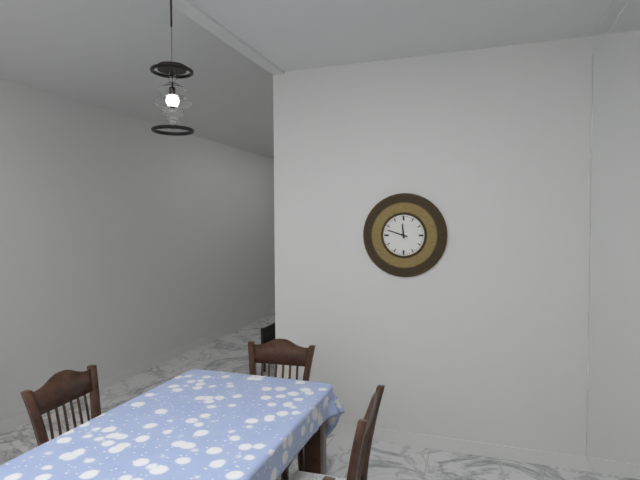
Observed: **11:48**
